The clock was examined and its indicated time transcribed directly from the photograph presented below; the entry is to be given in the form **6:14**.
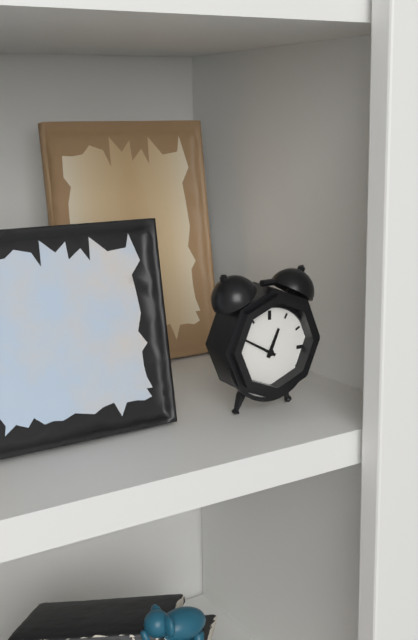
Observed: **12:50**
